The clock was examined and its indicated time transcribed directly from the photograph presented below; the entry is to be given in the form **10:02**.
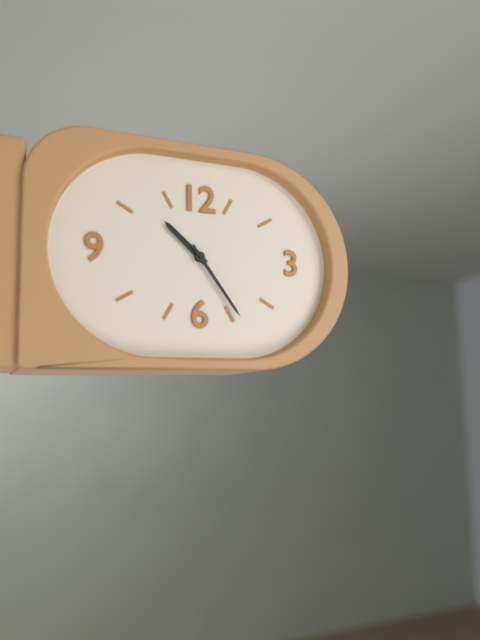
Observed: **10:24**
